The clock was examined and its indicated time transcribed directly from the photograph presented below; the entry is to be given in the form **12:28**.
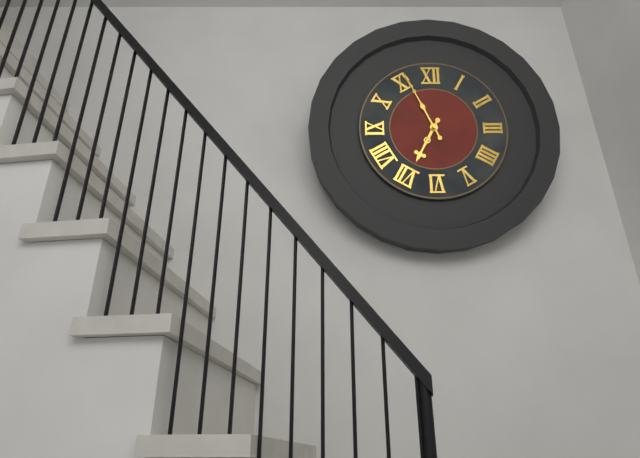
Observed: **6:56**
